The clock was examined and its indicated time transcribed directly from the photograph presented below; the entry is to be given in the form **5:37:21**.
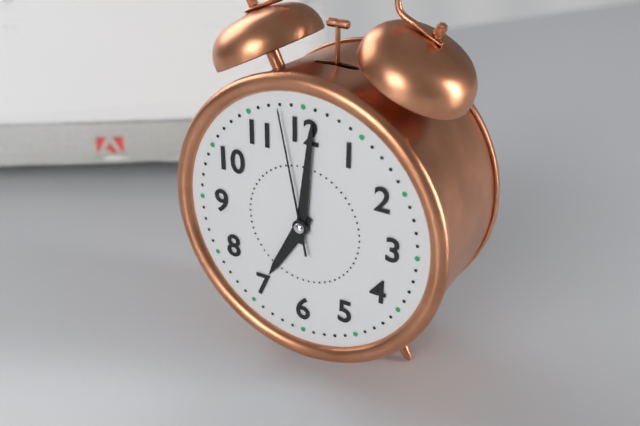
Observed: **7:01:58**
